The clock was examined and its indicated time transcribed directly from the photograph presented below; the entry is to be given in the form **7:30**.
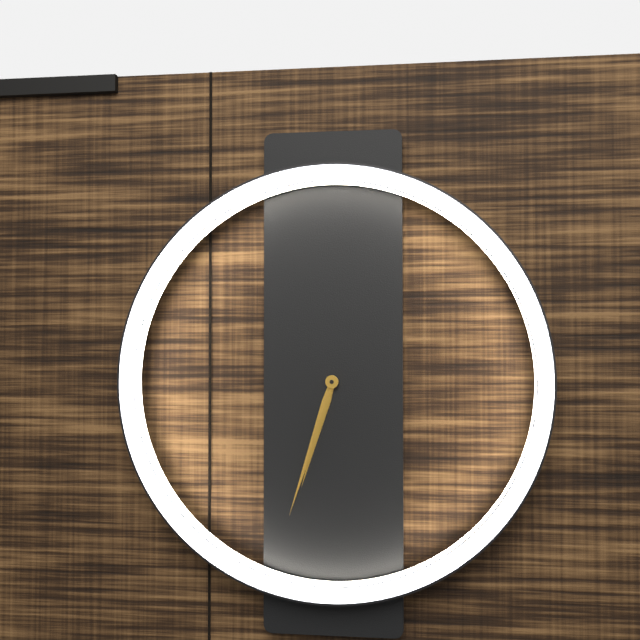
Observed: **6:33**
